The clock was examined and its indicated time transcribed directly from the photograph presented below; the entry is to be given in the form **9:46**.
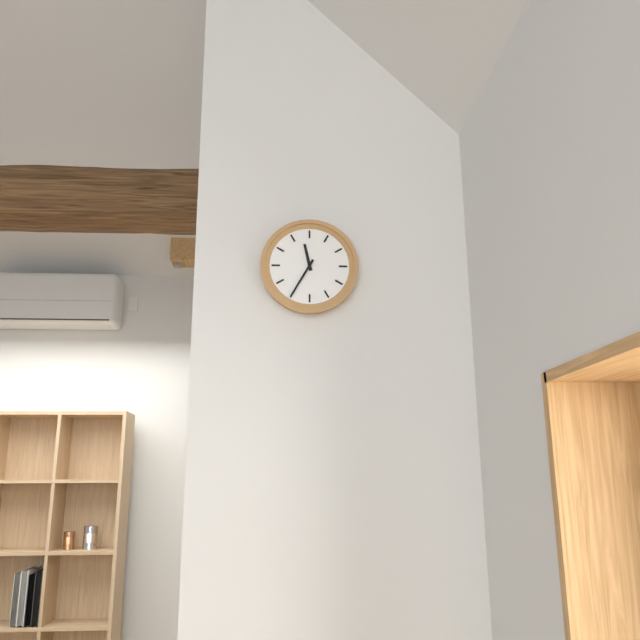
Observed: **11:35**
